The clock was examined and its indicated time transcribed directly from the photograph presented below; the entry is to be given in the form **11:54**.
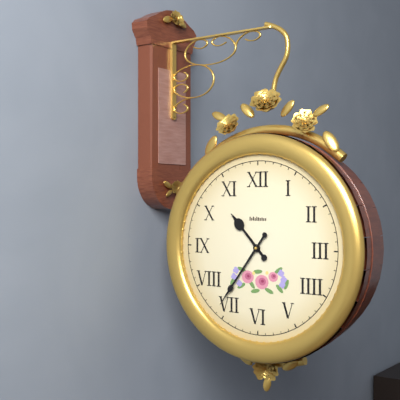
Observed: **10:36**
